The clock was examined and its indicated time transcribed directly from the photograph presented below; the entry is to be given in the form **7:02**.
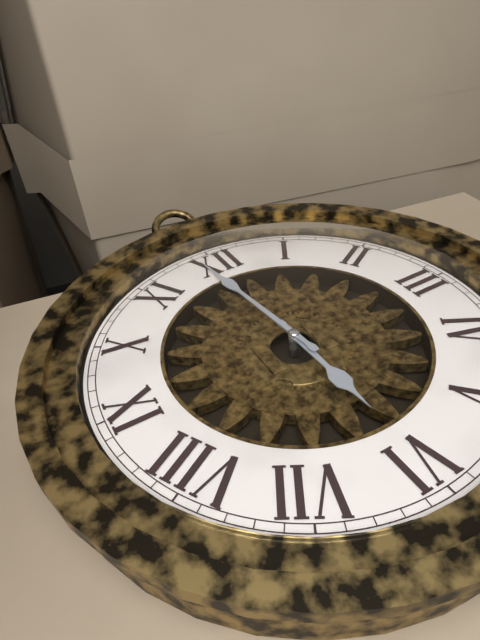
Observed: **5:59**
